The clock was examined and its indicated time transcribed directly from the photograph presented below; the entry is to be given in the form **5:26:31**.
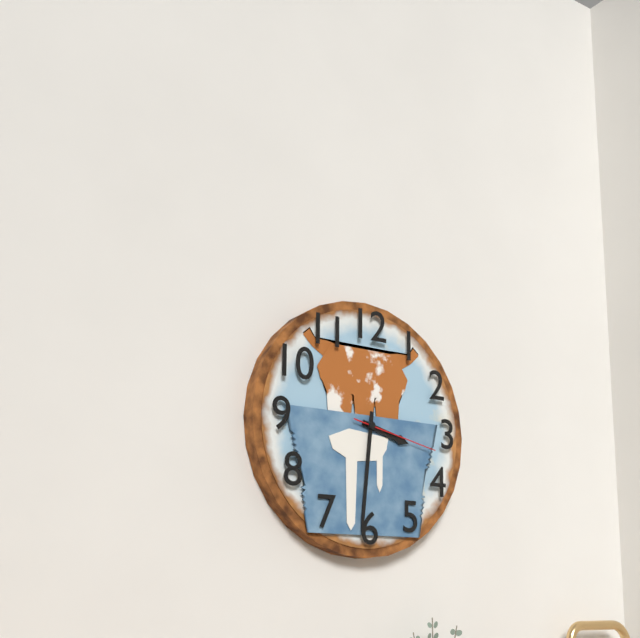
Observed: **3:31:17**
